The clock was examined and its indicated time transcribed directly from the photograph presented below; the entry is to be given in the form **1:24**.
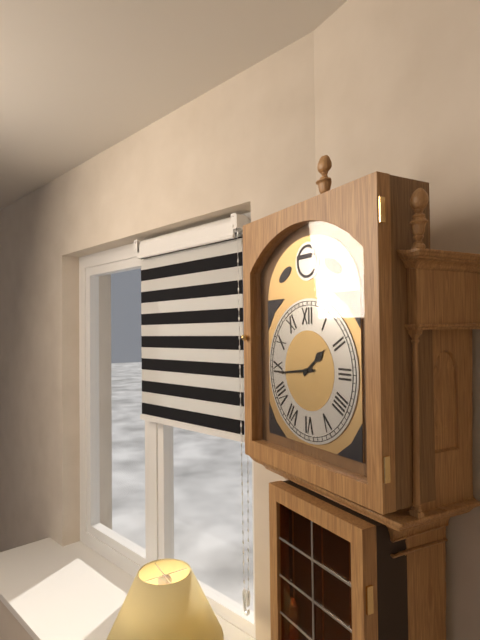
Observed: **1:44**
